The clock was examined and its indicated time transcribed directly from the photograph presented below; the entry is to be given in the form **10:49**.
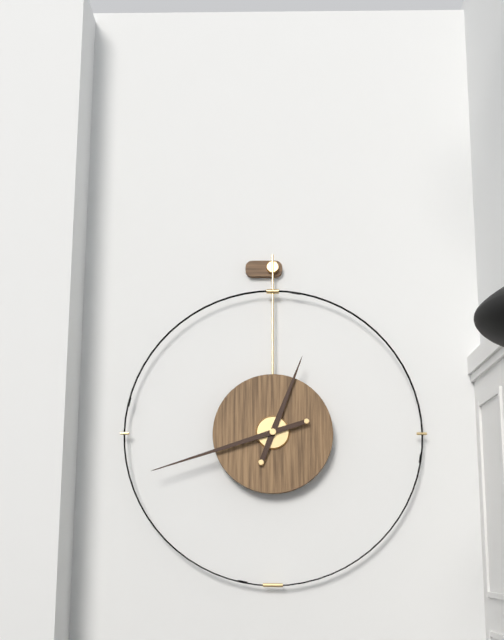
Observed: **12:42**
